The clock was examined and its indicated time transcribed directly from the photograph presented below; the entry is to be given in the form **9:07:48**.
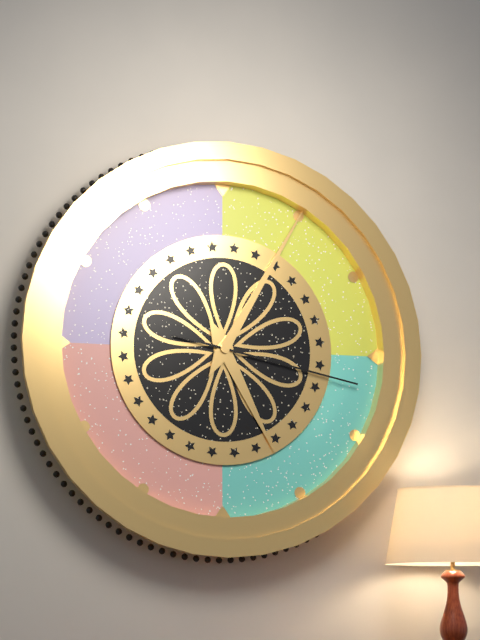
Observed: **5:05:17**
